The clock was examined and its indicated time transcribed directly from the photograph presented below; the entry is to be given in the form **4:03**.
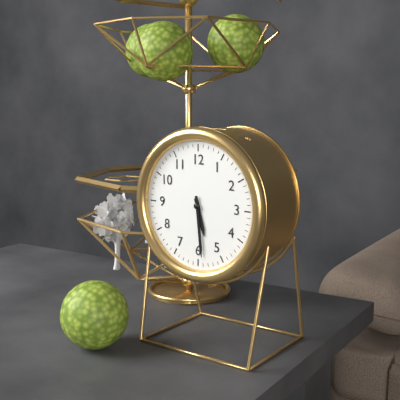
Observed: **5:29**
